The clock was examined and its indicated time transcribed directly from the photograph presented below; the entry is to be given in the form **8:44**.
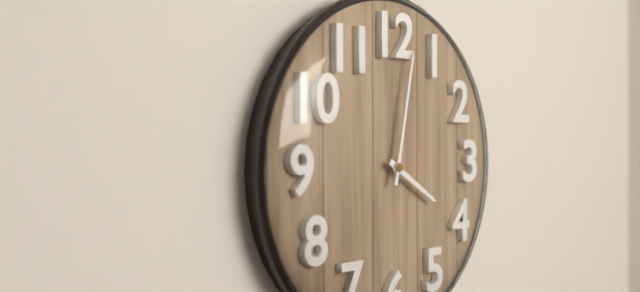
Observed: **4:02**
